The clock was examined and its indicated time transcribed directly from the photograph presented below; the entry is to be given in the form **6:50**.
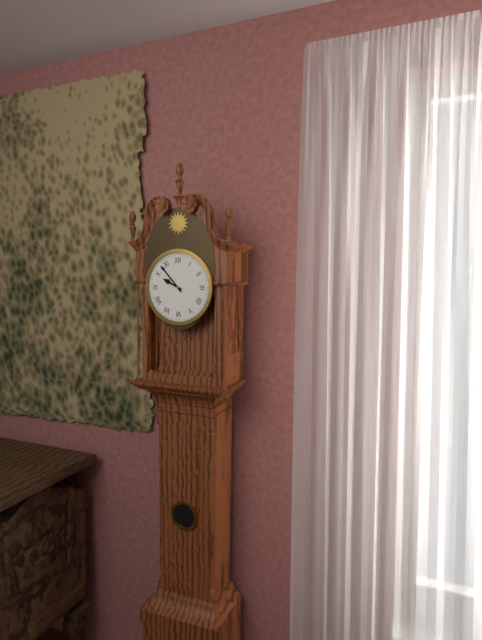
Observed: **9:53**
